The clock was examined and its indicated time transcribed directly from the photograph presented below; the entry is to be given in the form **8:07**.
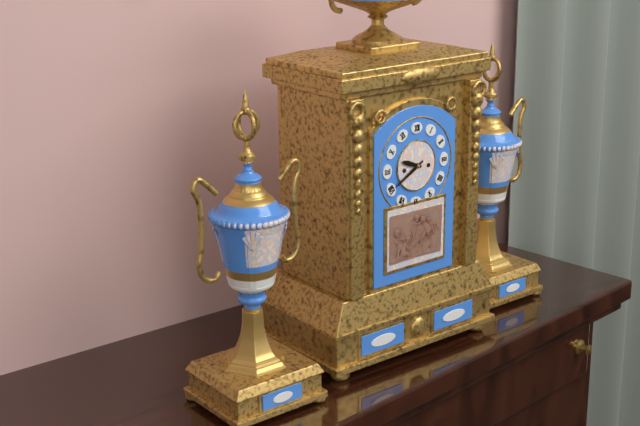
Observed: **9:40**
